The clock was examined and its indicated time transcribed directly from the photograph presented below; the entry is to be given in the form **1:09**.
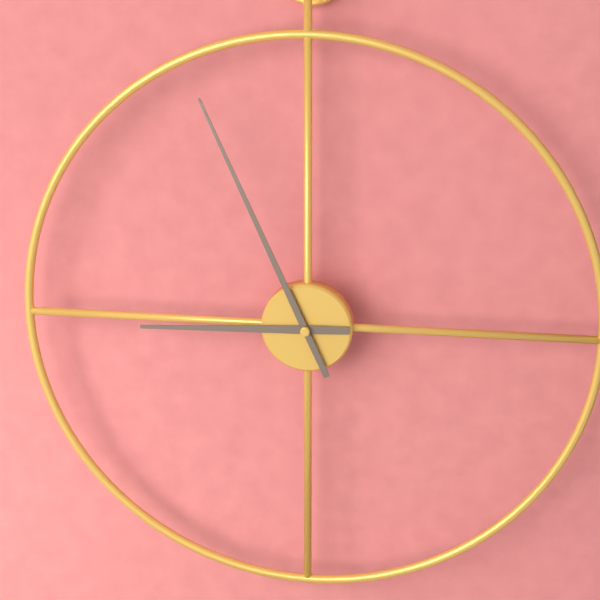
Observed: **8:56**
